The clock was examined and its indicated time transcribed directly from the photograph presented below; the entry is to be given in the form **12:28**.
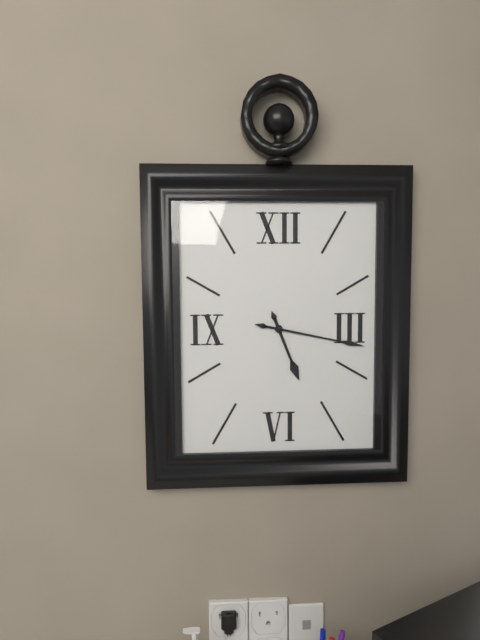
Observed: **5:17**
